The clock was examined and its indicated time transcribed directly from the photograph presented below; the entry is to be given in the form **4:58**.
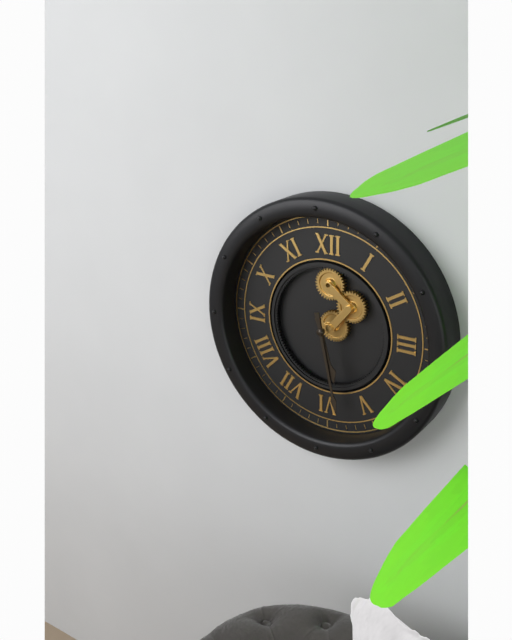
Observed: **5:28**
